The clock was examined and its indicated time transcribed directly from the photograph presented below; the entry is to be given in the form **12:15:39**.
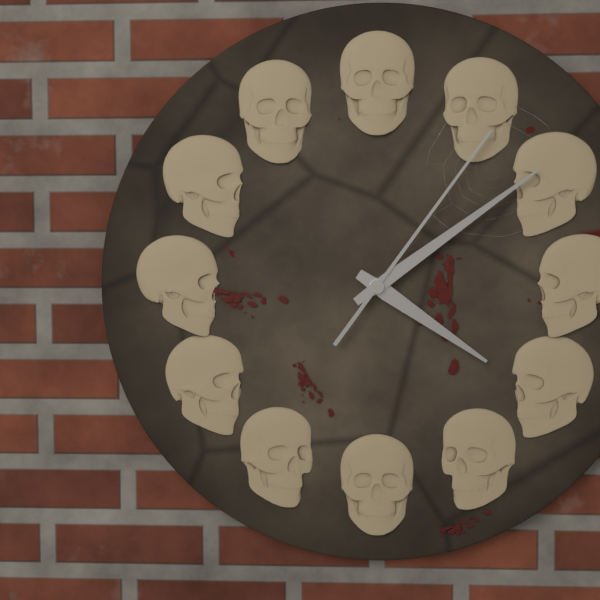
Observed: **4:09:06**
